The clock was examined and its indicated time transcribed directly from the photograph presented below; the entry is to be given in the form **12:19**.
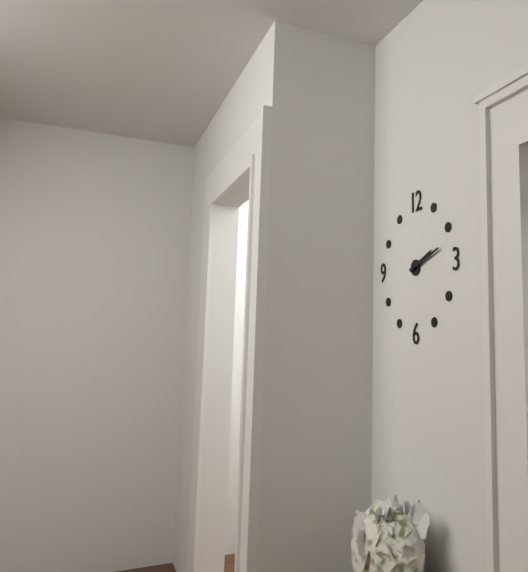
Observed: **2:12**
